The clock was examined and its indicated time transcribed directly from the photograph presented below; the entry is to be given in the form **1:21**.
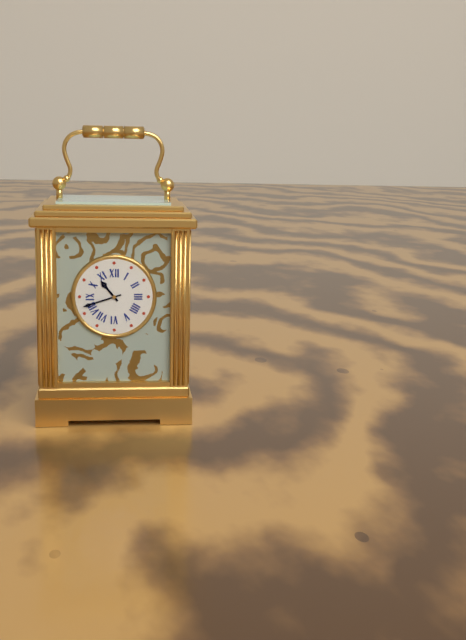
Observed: **10:42**
